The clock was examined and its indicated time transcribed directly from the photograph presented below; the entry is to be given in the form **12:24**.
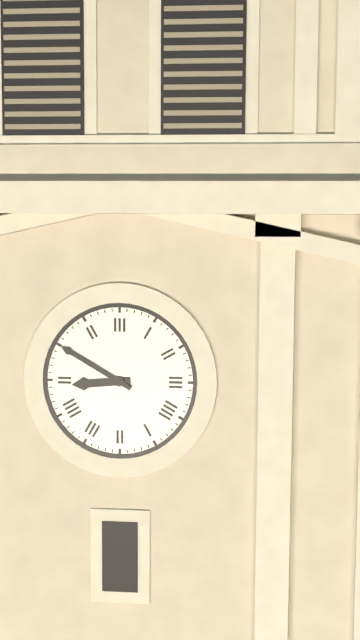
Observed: **8:50**
